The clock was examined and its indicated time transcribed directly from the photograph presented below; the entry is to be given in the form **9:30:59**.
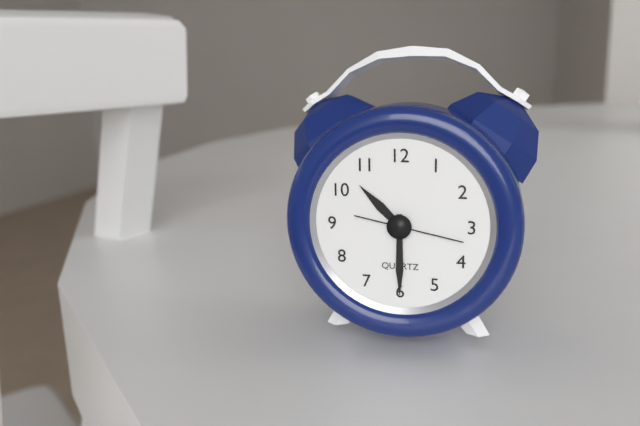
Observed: **10:30:17**
